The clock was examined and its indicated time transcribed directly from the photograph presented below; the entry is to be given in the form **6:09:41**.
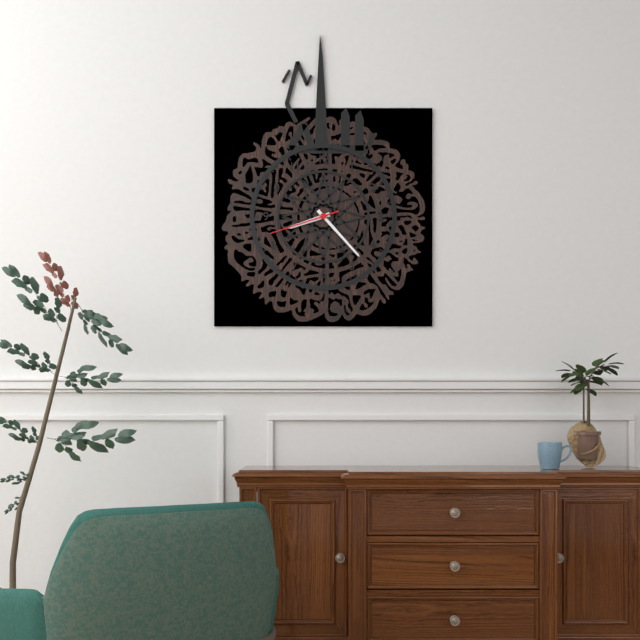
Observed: **8:23:42**
